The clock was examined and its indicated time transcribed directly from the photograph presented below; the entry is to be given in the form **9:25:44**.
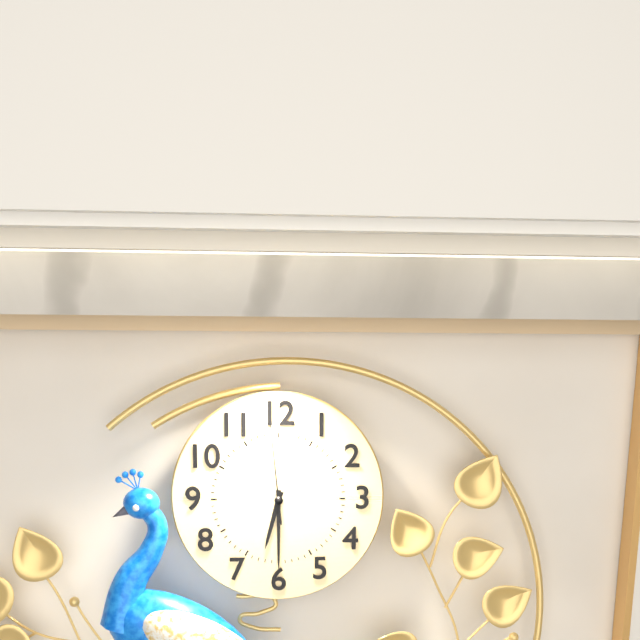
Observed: **6:30:59**
